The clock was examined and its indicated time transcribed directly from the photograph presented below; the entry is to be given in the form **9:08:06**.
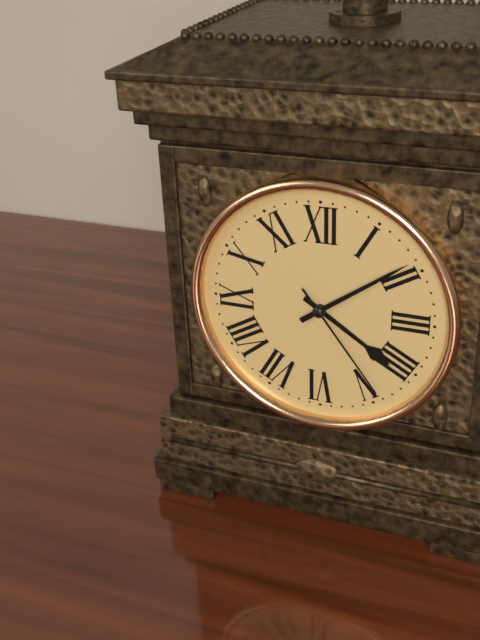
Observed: **4:09:24**
